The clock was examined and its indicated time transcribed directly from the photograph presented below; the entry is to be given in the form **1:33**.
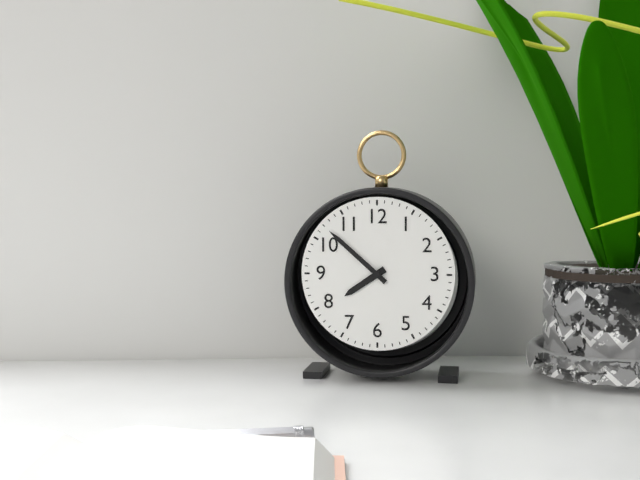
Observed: **7:52**
